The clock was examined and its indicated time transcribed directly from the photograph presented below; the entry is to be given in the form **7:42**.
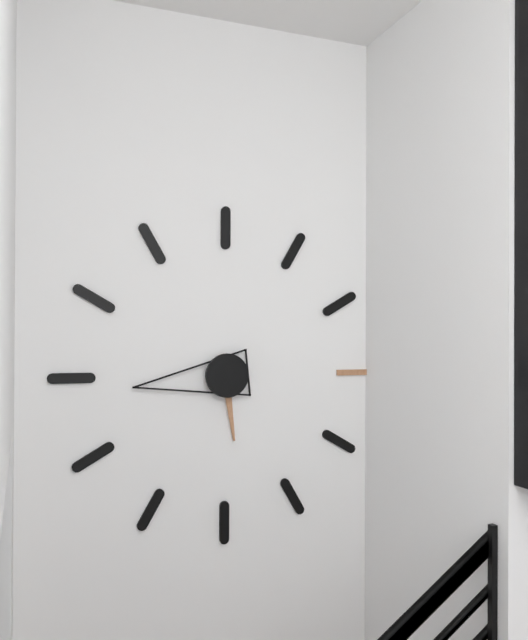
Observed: **5:44**
